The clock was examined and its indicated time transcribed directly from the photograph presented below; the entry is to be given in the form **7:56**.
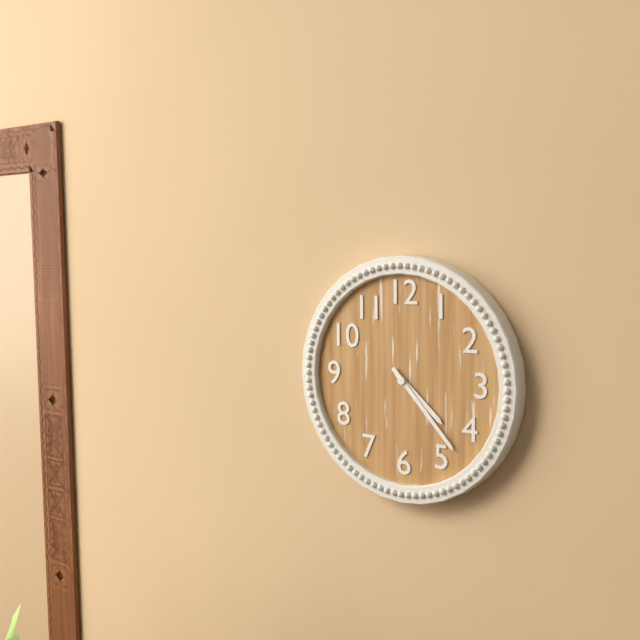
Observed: **4:23**
